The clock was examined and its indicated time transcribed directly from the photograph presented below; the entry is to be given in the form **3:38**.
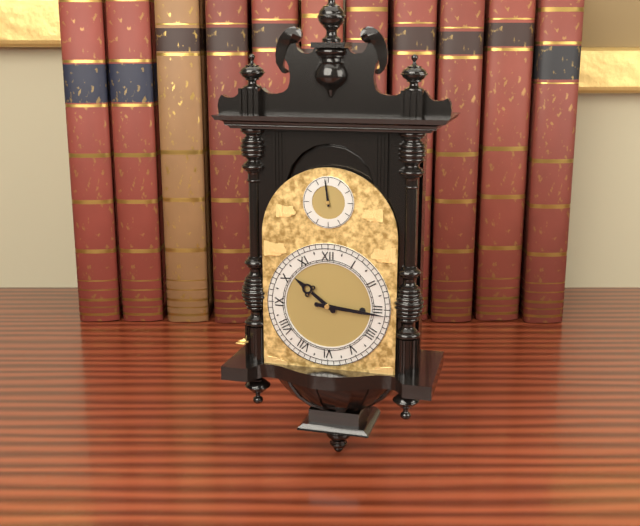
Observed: **10:16**
